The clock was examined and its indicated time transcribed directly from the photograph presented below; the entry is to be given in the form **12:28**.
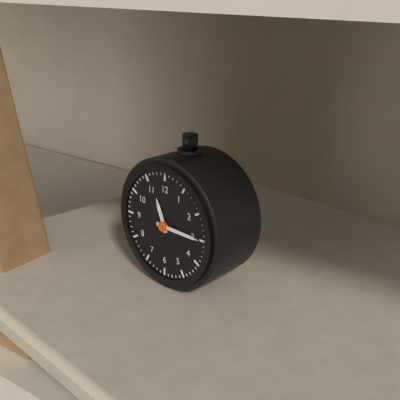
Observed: **11:15**
